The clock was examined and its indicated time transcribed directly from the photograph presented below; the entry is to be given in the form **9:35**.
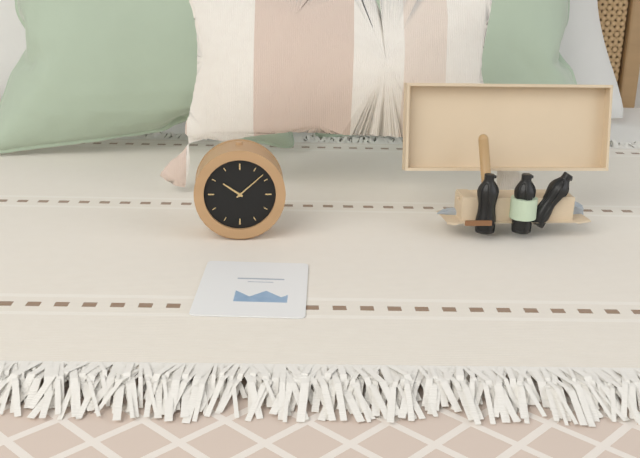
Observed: **10:08**
